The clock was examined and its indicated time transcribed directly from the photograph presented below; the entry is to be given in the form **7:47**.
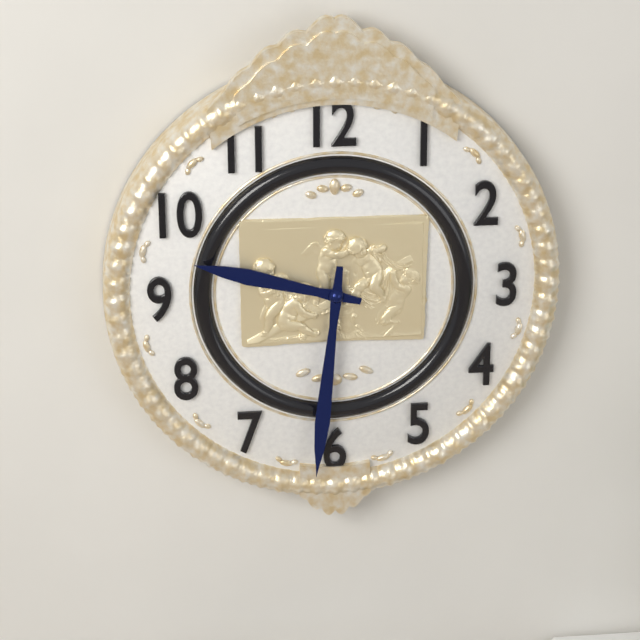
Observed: **9:31**
